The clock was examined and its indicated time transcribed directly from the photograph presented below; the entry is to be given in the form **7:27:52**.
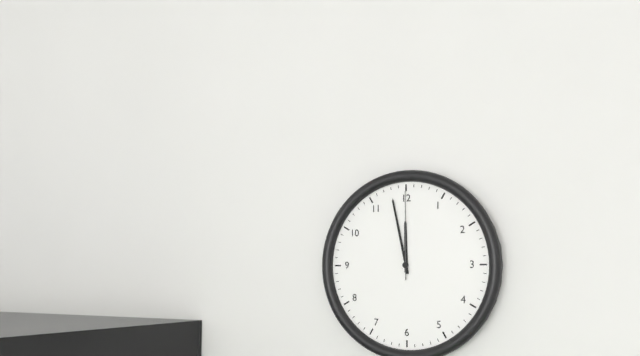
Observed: **11:58:00**
